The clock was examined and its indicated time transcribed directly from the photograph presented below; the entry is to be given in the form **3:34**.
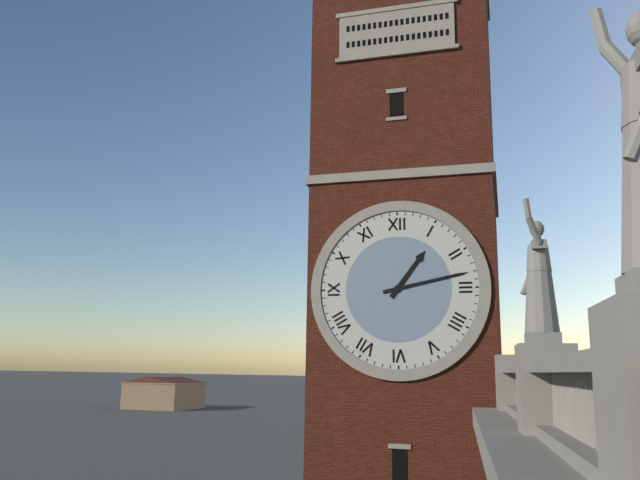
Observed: **1:13**
